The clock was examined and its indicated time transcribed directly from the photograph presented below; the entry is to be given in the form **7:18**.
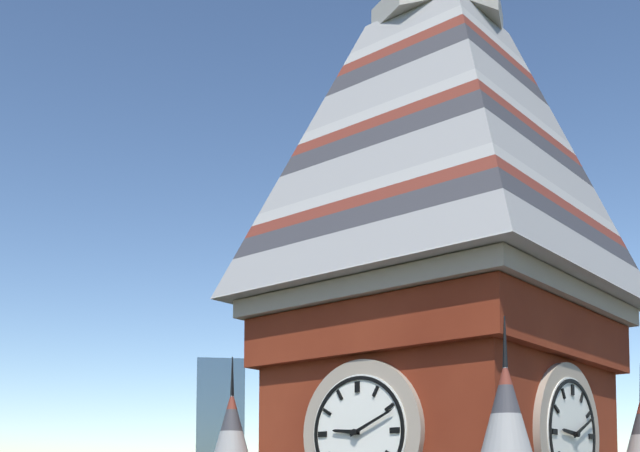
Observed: **9:11**
